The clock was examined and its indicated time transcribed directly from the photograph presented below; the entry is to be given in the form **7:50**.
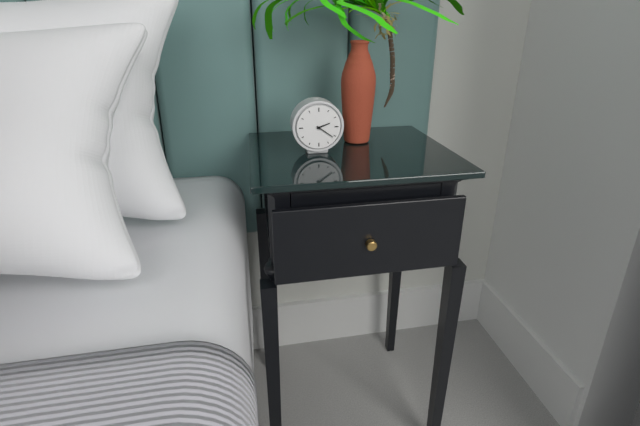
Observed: **2:21**
